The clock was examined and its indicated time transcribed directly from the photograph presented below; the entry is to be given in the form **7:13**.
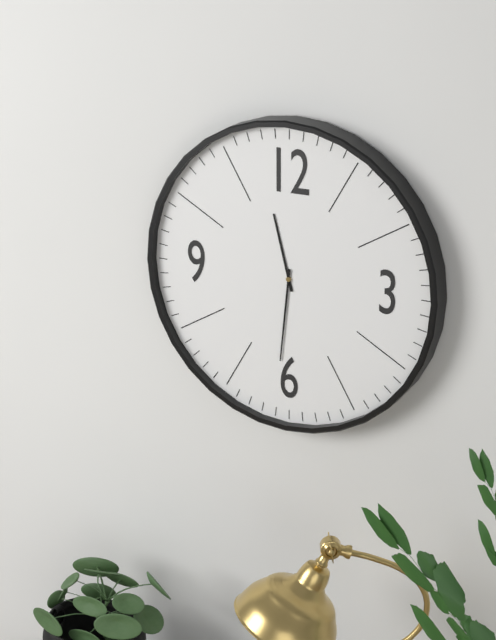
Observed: **11:31**
